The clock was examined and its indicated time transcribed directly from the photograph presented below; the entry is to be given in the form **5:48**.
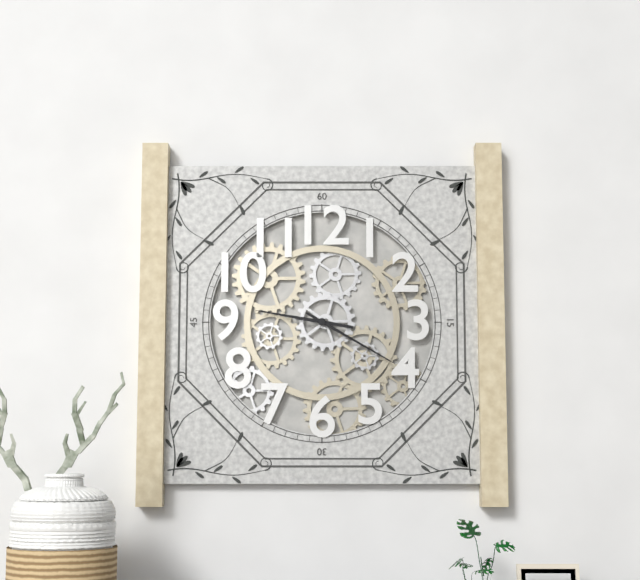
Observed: **9:20**
